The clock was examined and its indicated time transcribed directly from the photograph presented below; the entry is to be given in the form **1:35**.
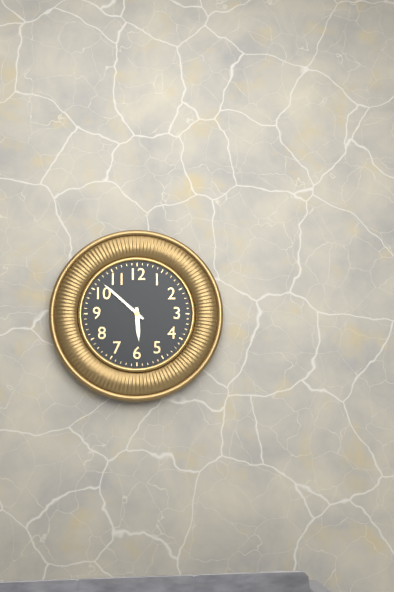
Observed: **5:52**
